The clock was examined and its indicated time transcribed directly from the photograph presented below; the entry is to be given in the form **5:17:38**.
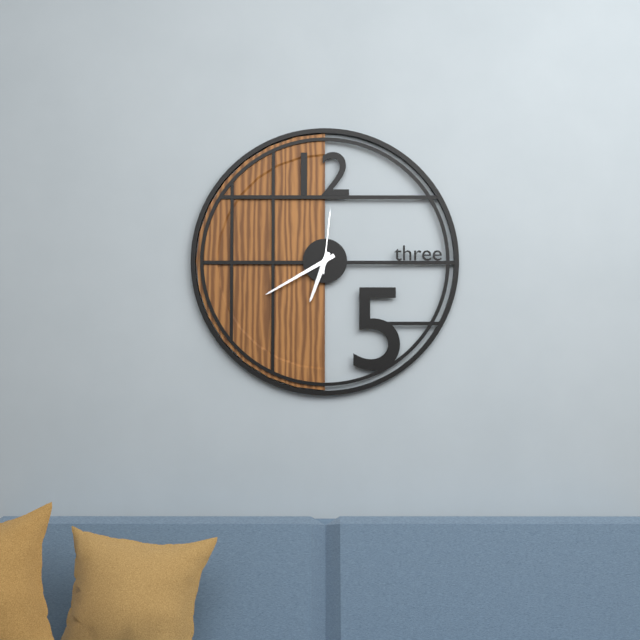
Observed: **6:40:01**
